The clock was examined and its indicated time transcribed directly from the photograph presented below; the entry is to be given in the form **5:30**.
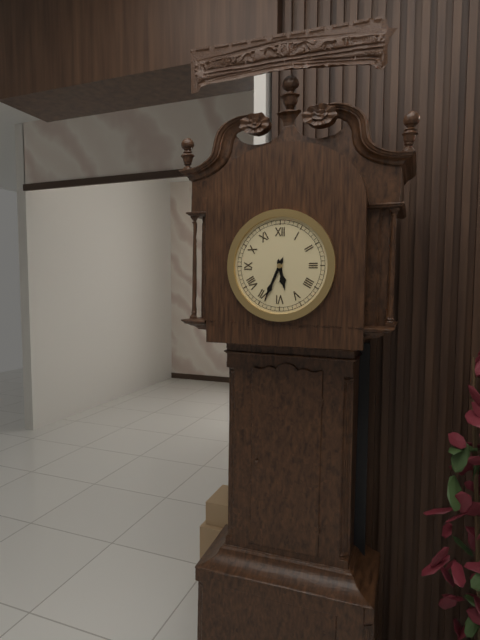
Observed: **5:34**
